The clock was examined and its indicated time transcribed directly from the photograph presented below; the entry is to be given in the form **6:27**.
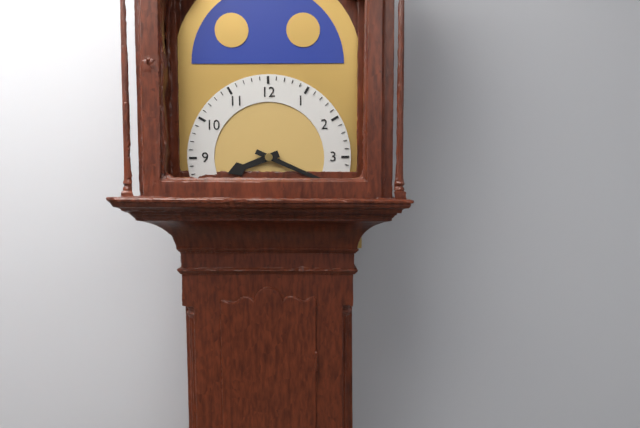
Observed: **8:19**
